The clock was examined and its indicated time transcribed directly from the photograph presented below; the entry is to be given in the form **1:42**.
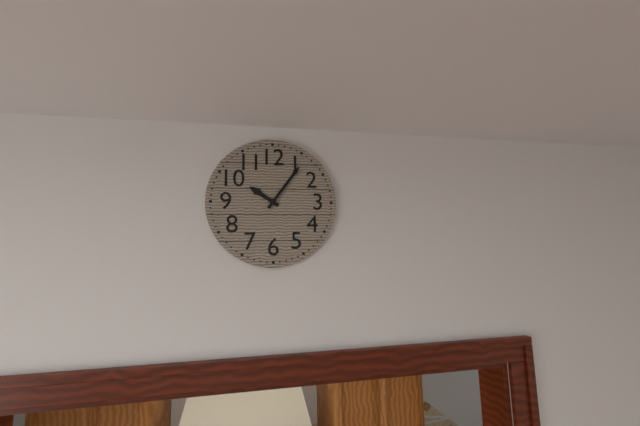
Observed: **10:06**
